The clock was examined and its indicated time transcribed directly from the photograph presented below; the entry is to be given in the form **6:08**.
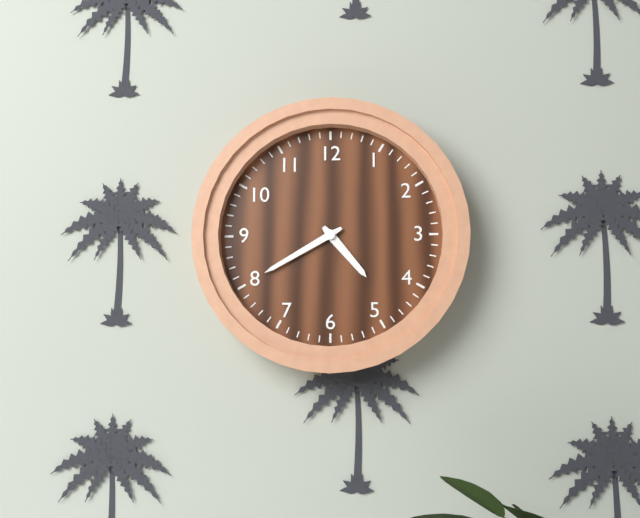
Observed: **4:40**
